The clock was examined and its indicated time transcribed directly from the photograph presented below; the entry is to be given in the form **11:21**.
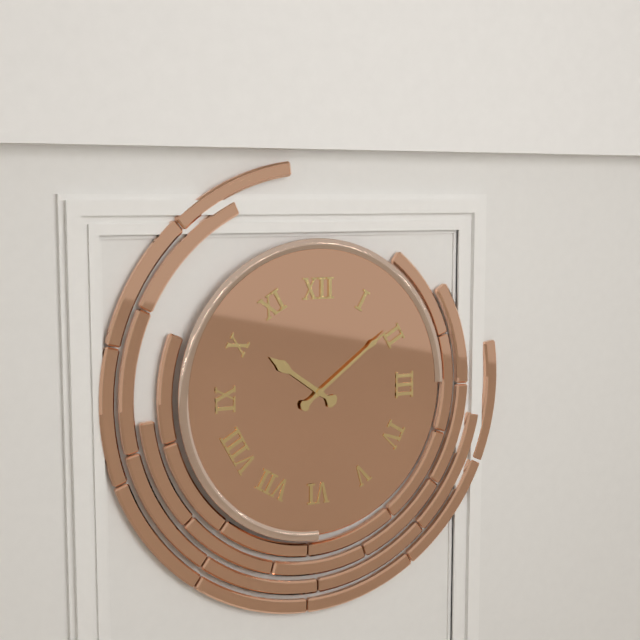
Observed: **10:09**
